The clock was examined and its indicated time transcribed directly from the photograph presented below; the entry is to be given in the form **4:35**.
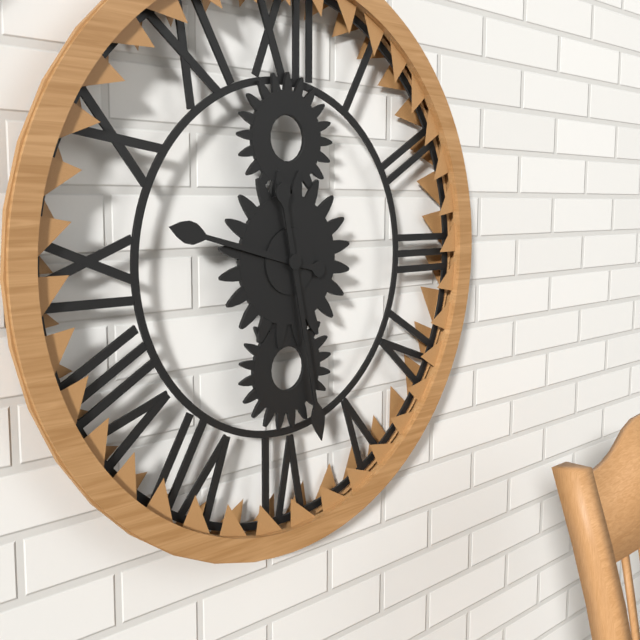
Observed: **9:28**
